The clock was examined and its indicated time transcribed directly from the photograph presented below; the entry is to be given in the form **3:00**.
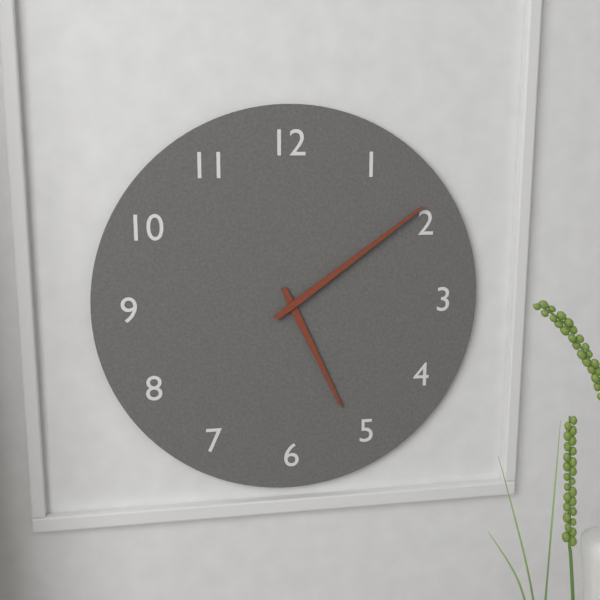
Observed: **5:09**
